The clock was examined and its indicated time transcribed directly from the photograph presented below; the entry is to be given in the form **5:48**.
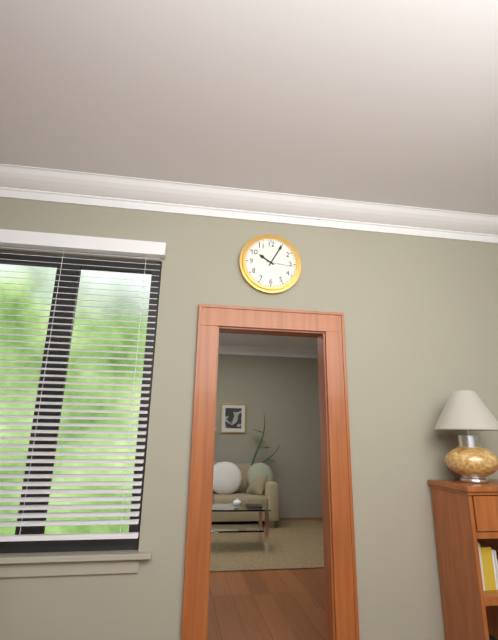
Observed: **10:05**
